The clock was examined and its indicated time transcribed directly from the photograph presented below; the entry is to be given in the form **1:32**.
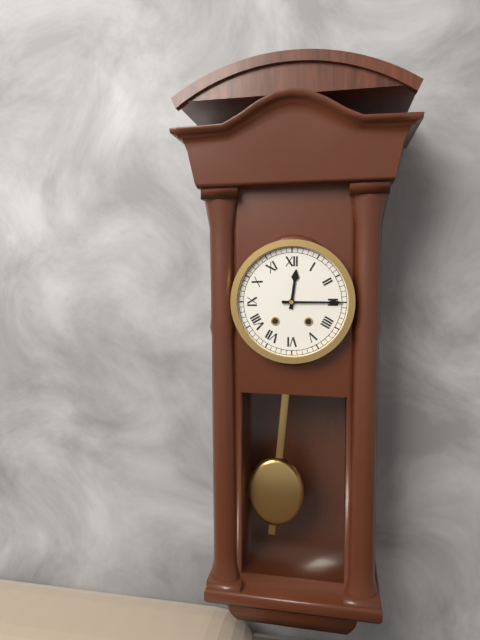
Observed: **12:15**
